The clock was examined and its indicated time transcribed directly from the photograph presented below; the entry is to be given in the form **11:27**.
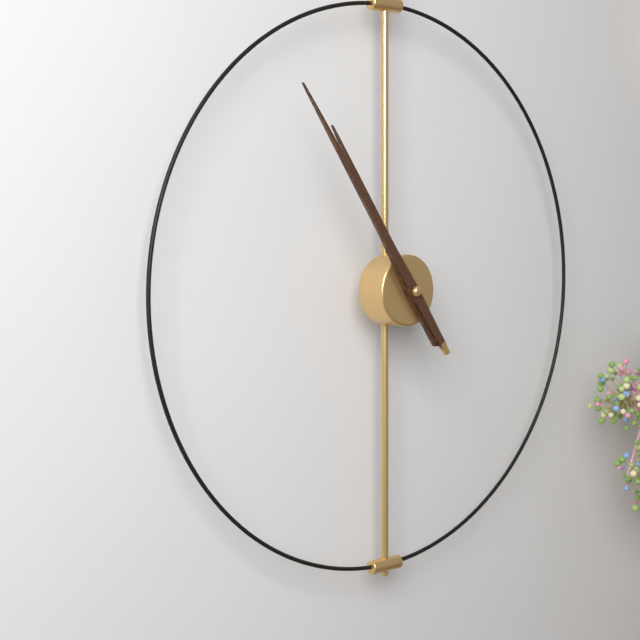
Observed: **10:54**
